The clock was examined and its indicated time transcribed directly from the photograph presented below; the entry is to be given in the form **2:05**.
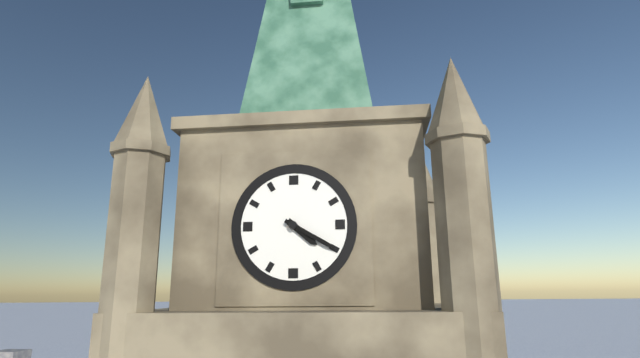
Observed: **4:20**
